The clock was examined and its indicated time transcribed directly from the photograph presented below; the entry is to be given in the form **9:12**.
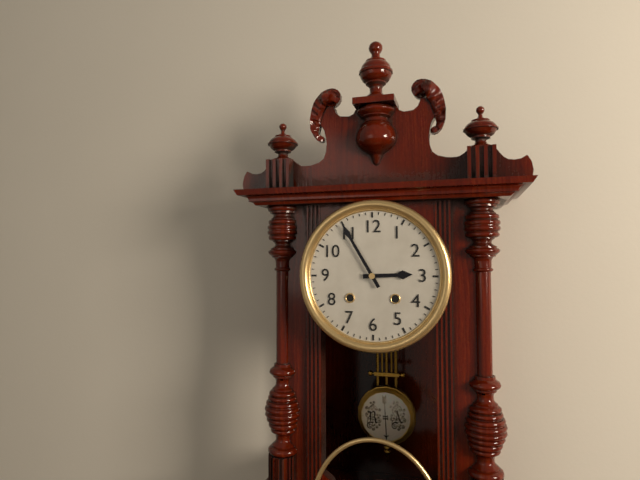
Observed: **2:55**
